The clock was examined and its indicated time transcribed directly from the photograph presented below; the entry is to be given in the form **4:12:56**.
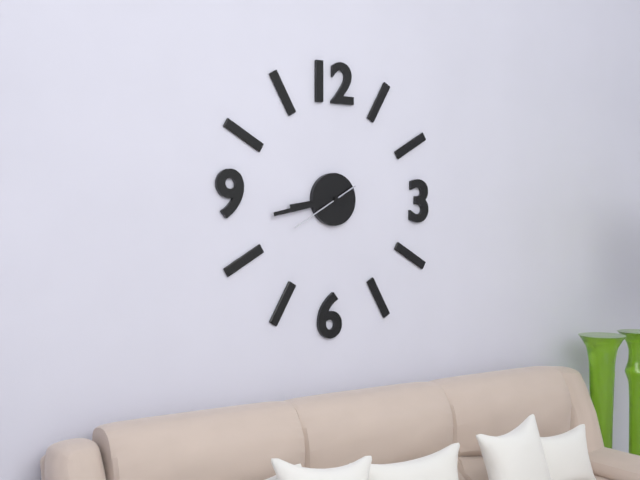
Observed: **8:43:40**
